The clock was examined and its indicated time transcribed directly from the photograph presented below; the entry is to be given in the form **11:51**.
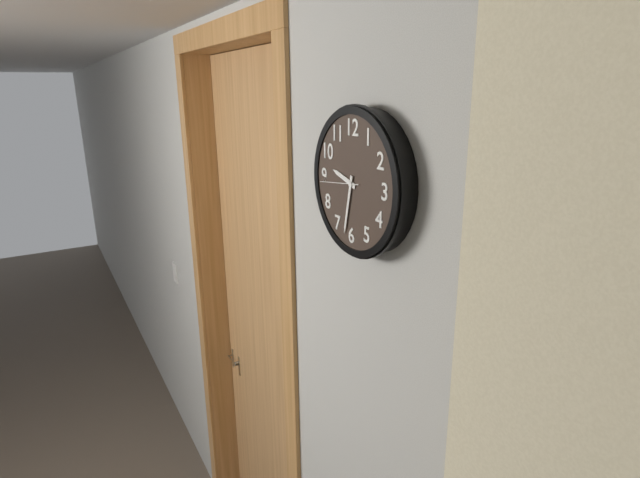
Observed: **9:32**
